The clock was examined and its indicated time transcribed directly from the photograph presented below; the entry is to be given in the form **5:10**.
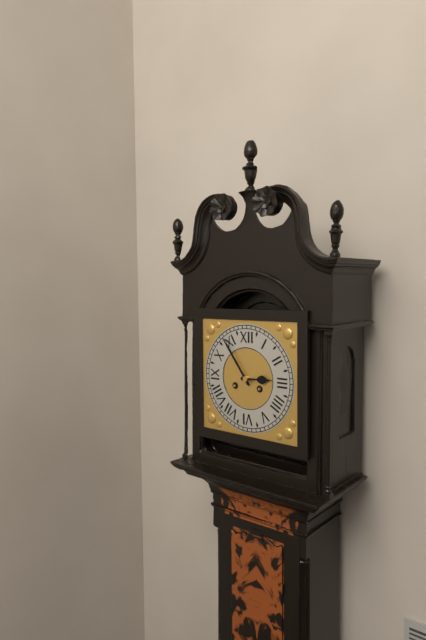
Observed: **2:54**
